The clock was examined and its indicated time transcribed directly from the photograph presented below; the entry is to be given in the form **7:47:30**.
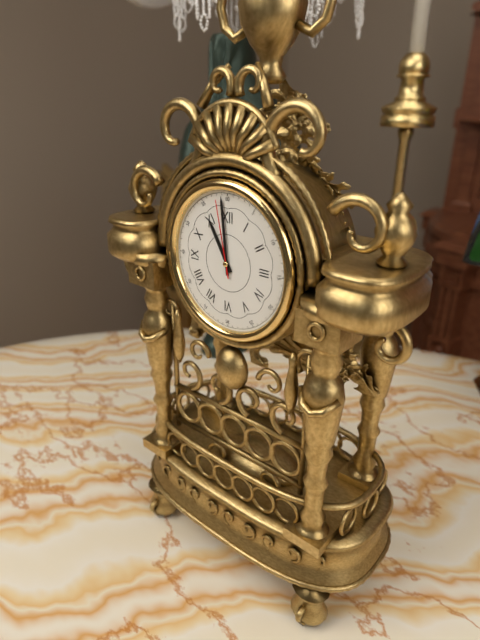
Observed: **10:59:58**
